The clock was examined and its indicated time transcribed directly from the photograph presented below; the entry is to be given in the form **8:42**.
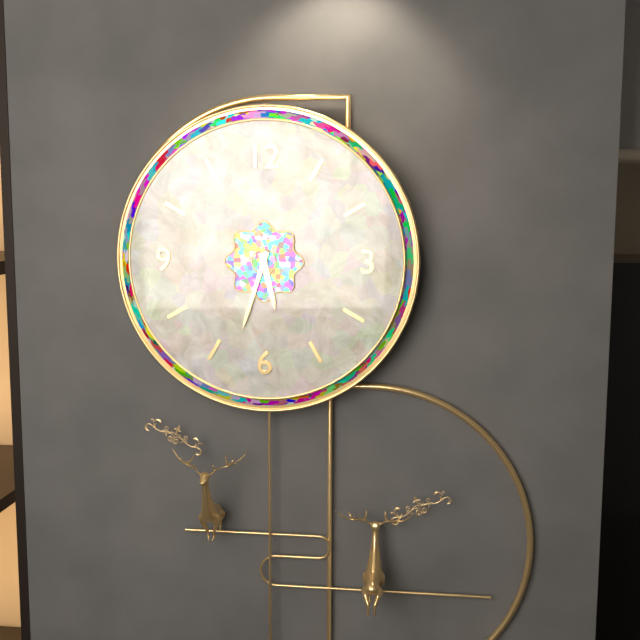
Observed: **5:33**
